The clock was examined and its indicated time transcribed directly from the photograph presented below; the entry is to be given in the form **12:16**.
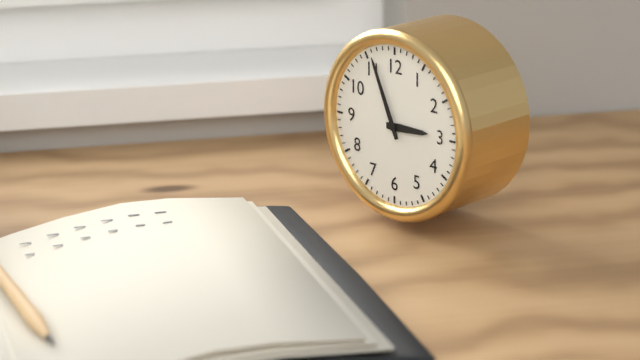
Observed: **2:56**
